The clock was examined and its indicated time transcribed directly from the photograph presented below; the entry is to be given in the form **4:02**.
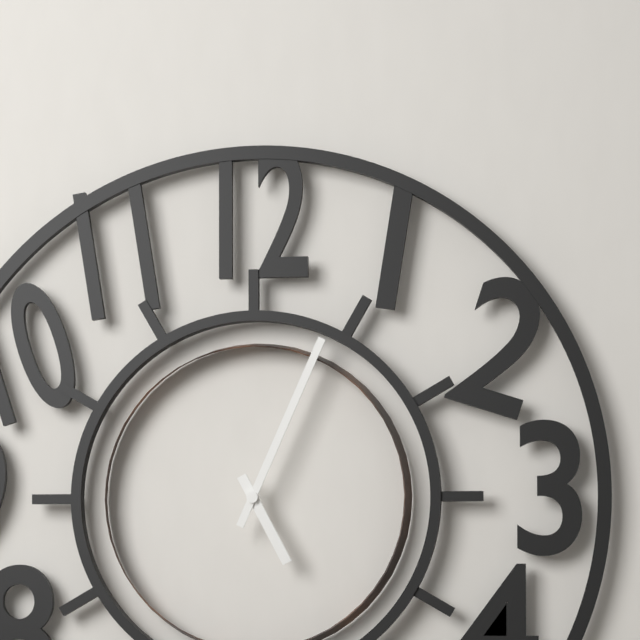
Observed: **5:04**
